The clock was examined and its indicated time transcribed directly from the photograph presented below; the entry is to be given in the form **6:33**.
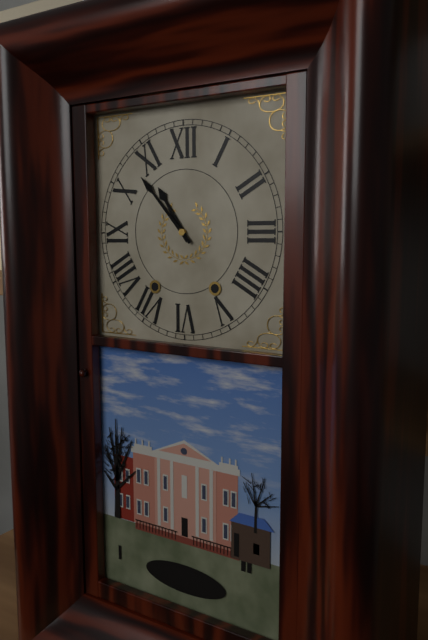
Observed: **10:53**
